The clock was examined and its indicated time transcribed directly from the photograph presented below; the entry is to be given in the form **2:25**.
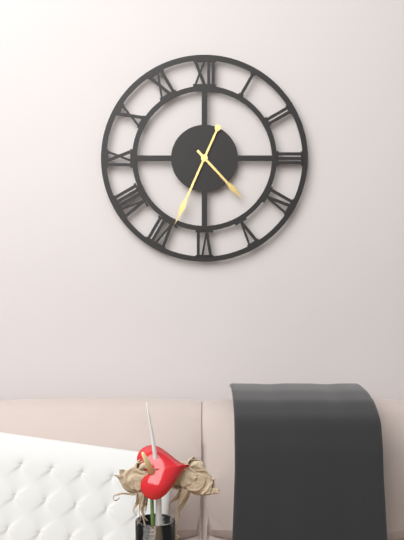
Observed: **4:34**
